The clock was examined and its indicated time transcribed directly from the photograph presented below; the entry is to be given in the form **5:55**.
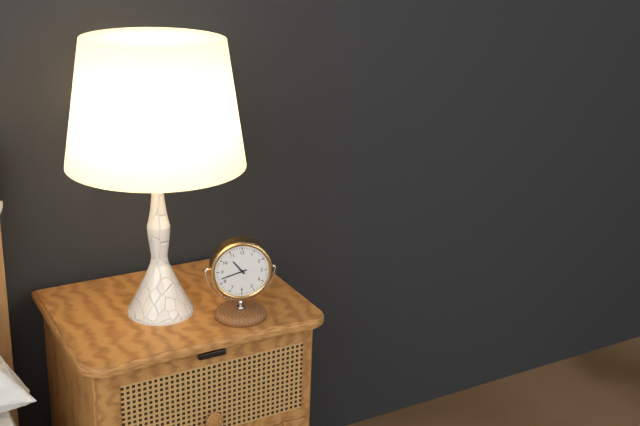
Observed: **10:42**
